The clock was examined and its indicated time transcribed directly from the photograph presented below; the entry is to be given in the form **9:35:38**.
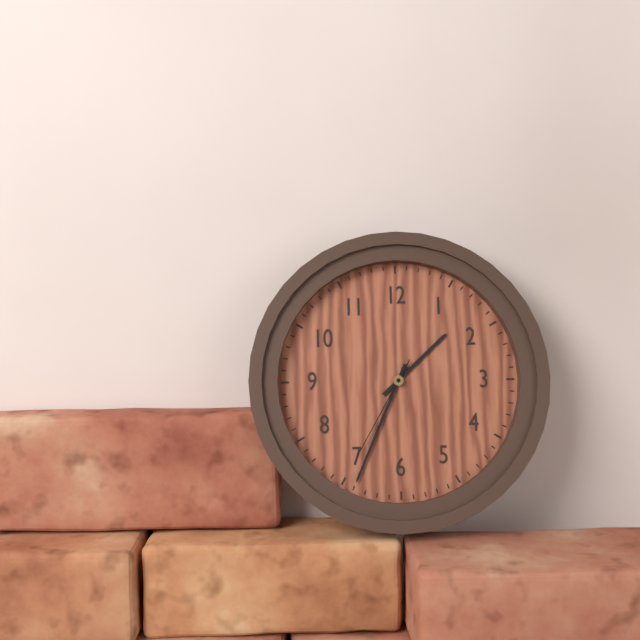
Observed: **1:34:35**
